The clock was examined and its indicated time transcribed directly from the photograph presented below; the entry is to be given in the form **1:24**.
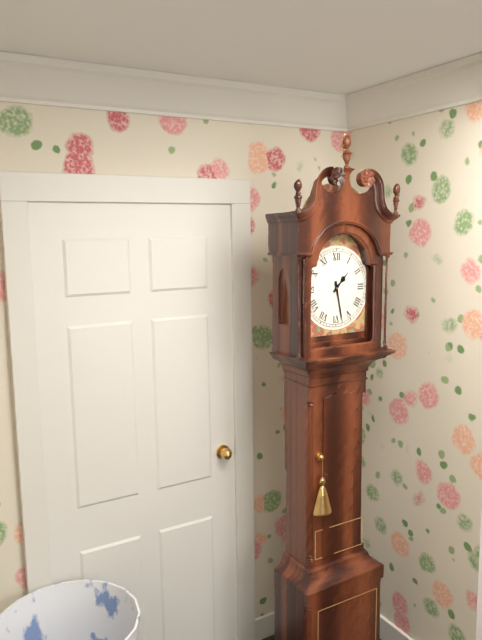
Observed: **1:28**
